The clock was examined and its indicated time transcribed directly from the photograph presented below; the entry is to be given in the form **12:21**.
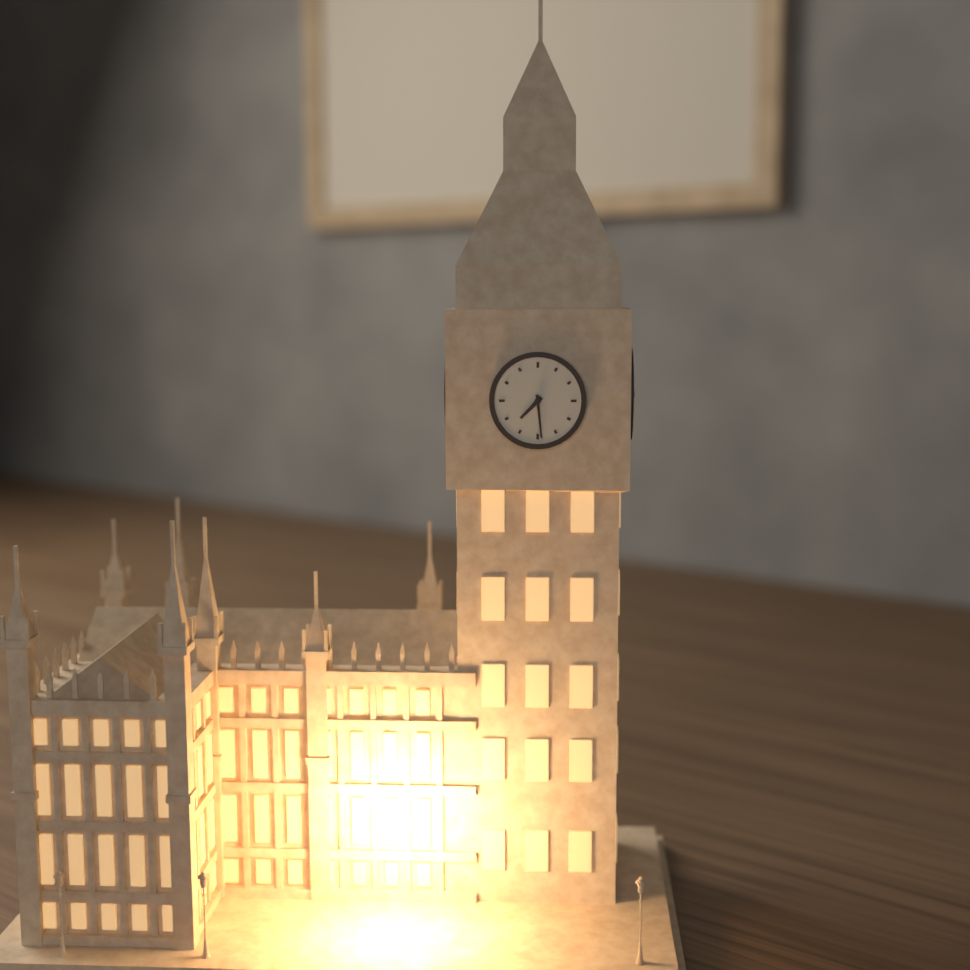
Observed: **7:29**
